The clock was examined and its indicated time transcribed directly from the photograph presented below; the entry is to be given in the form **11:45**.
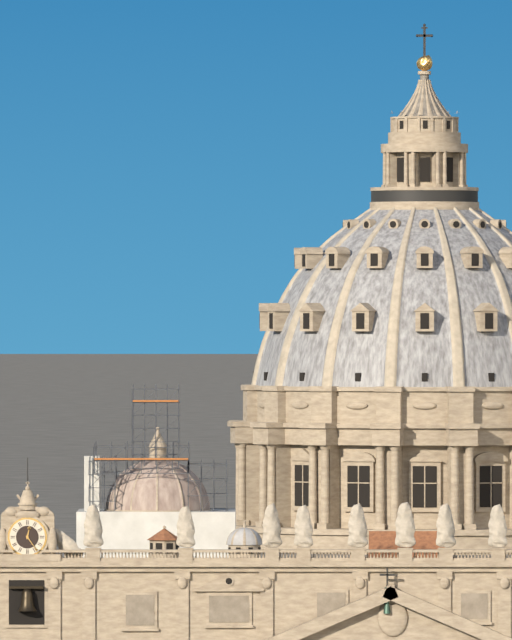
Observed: **12:24**
